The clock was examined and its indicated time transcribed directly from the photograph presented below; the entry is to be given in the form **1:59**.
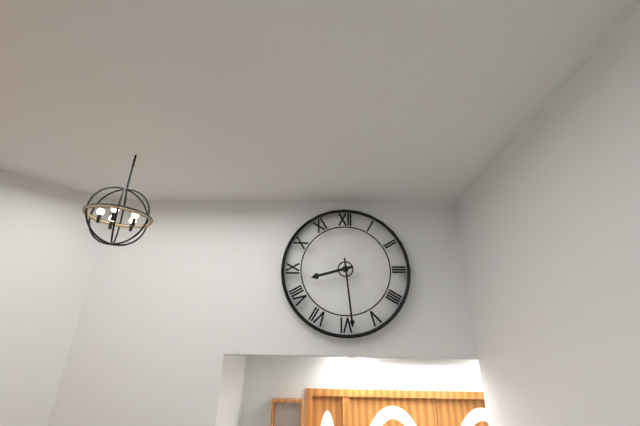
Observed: **8:29**
